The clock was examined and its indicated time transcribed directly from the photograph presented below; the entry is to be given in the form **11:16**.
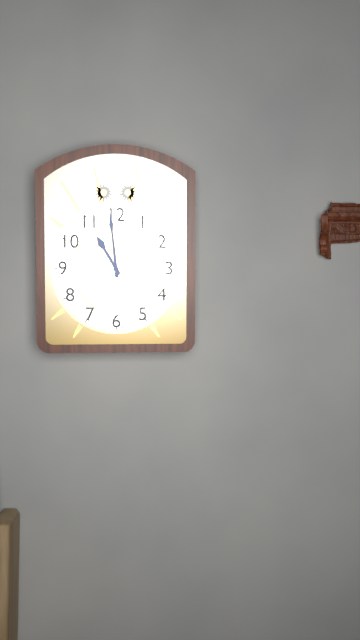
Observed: **10:59**
